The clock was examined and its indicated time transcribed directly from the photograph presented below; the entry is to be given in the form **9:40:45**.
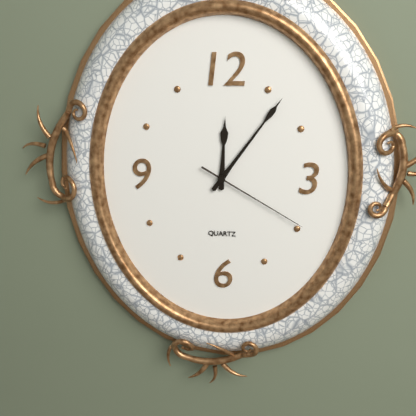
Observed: **12:06:20**
